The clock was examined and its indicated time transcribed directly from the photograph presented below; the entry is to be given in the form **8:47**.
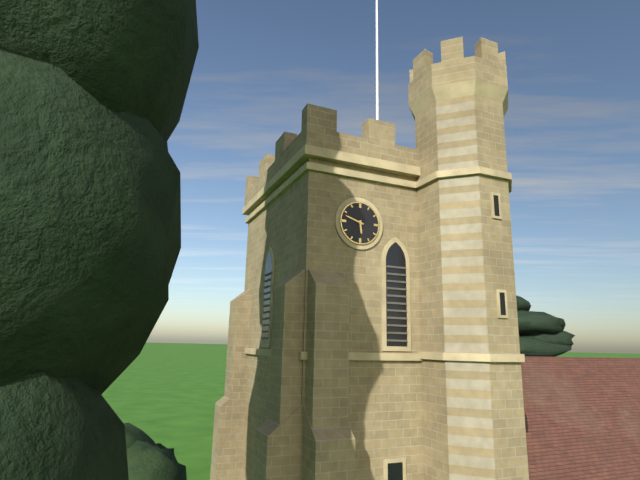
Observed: **5:48**
